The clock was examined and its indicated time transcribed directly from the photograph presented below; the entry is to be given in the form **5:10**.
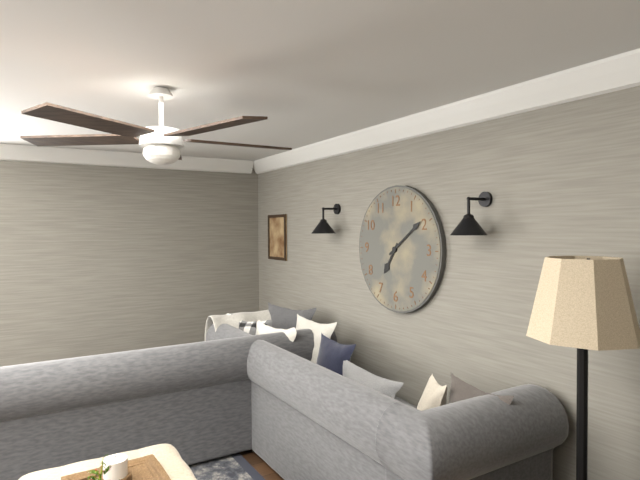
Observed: **7:09**
